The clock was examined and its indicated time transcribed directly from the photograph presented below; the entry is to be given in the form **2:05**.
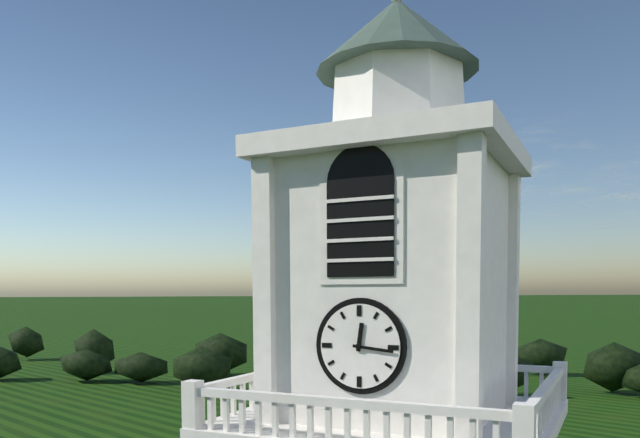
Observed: **12:16**
